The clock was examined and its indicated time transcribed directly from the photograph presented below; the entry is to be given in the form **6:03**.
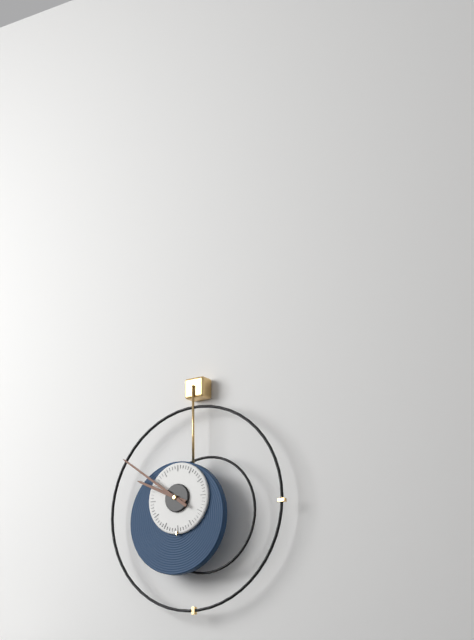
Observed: **9:51**
